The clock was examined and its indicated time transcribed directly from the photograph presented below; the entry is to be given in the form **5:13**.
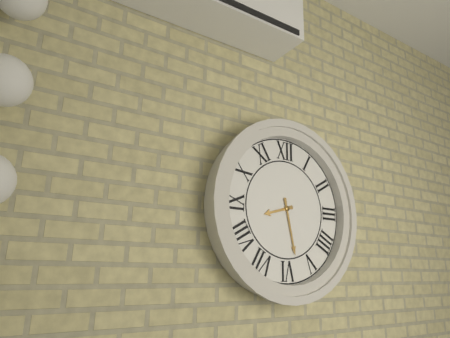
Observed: **8:28**
